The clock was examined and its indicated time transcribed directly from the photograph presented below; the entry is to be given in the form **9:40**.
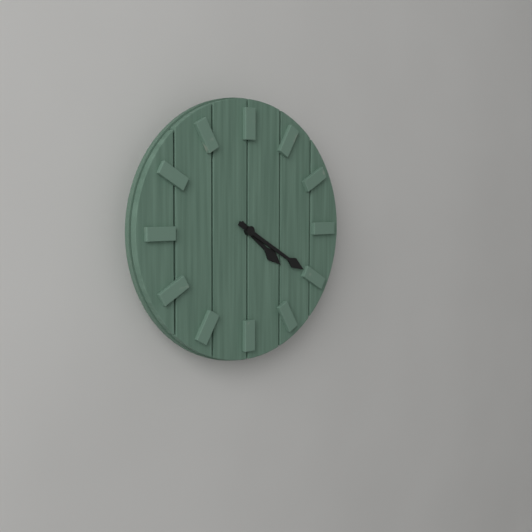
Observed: **4:20**
